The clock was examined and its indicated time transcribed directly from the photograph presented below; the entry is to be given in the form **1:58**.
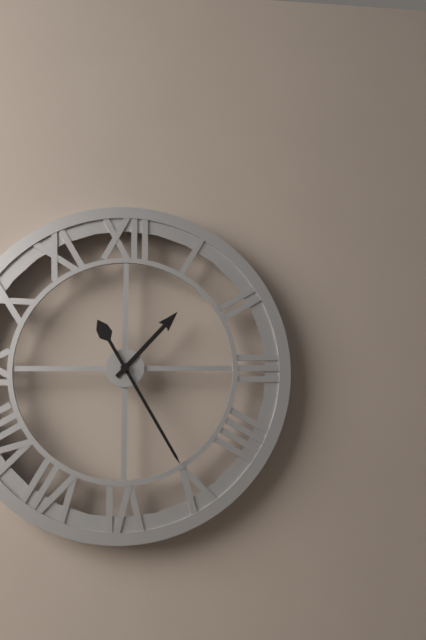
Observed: **1:25**
